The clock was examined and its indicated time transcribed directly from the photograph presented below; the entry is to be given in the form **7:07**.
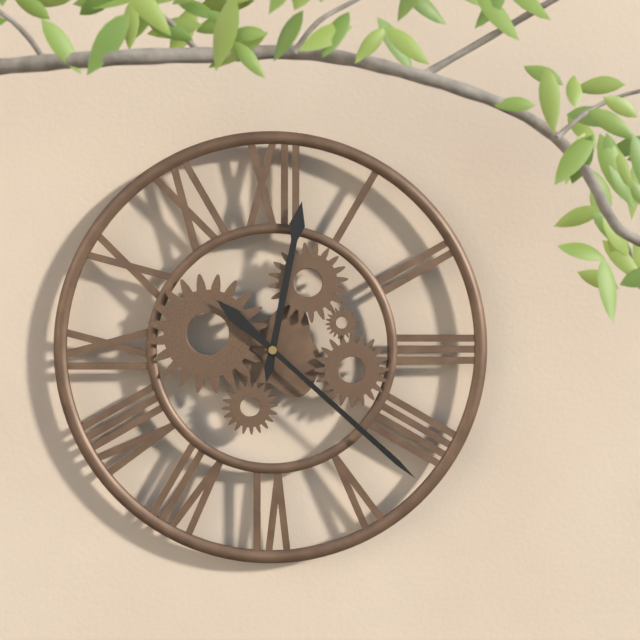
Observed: **12:22**
